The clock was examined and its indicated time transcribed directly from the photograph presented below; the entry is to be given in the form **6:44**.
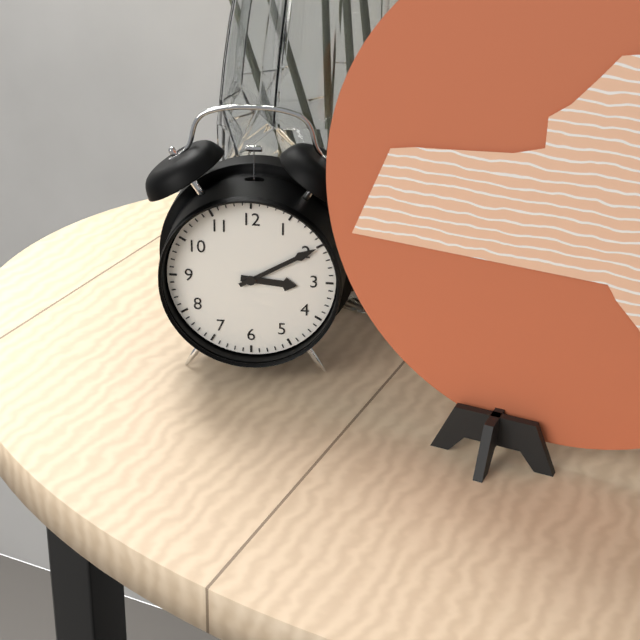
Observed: **3:10**
